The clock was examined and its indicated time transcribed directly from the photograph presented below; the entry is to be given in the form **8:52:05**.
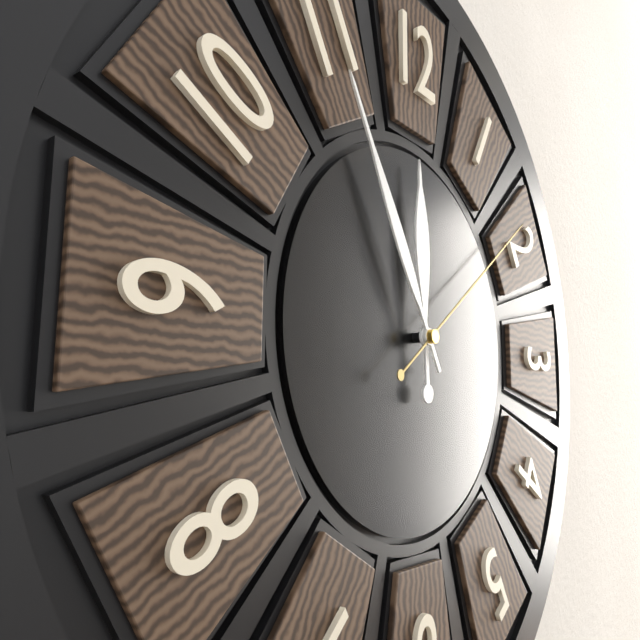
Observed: **11:55:09**
